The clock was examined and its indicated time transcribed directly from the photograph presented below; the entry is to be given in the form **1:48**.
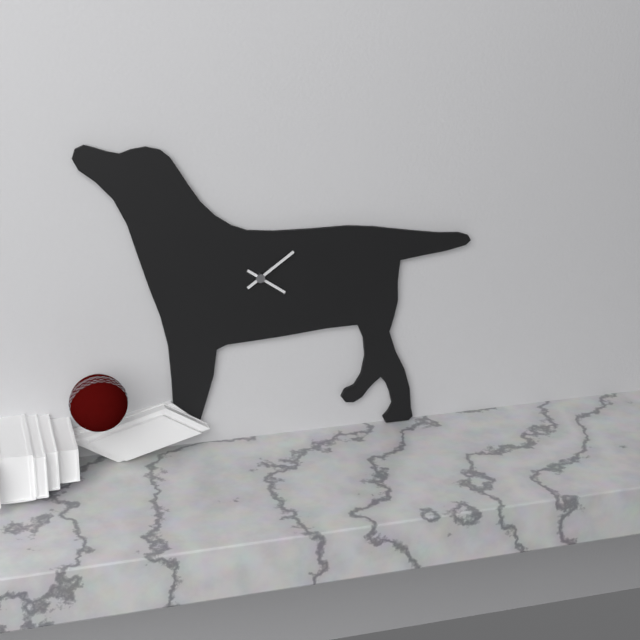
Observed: **4:09**
